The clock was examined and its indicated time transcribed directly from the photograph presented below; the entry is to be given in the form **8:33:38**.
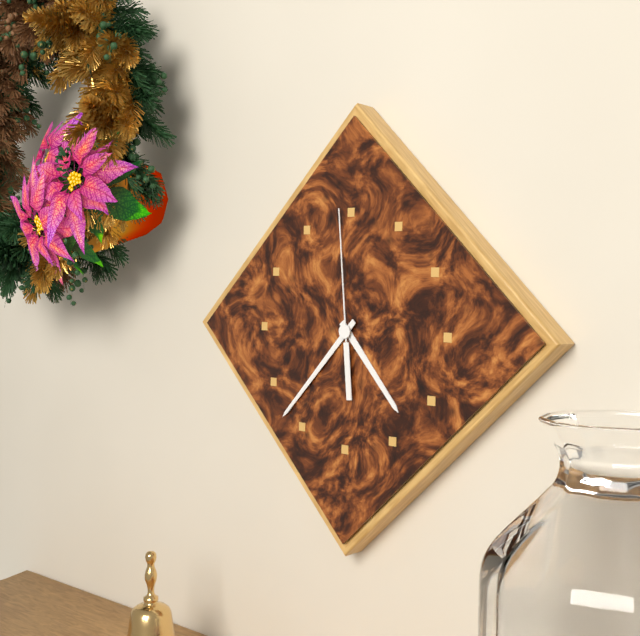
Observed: **4:37:59**
